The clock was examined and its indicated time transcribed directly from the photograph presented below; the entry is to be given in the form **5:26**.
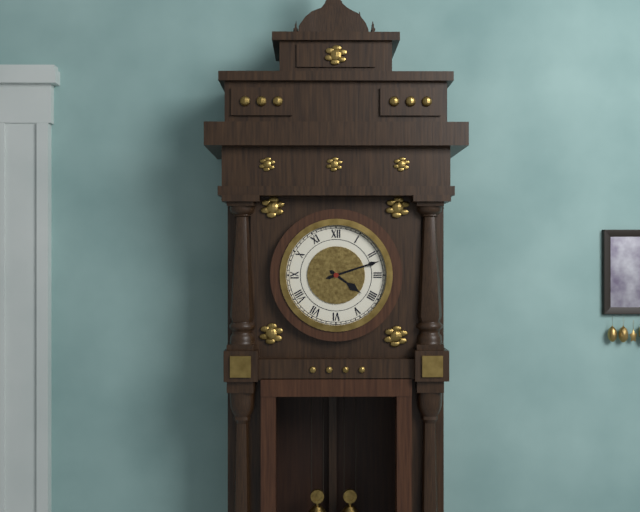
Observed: **4:12**
